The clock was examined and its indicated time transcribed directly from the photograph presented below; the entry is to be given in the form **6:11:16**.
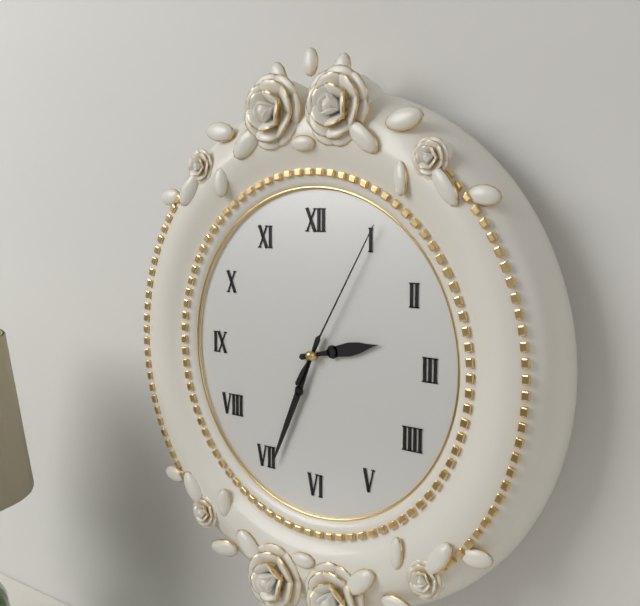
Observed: **2:34:05**
